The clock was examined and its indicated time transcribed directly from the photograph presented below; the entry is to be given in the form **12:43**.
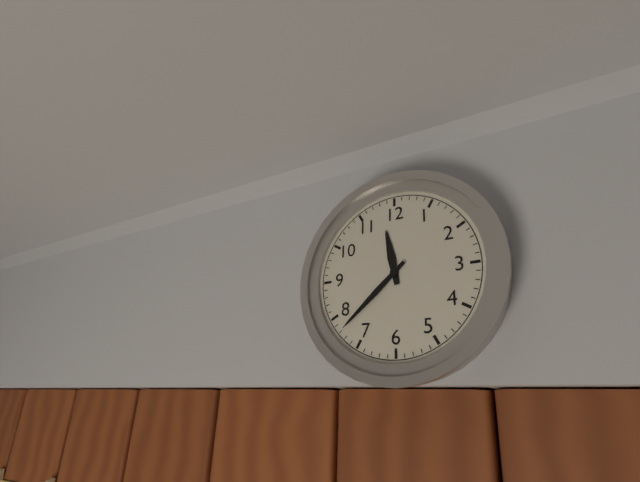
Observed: **11:38**
